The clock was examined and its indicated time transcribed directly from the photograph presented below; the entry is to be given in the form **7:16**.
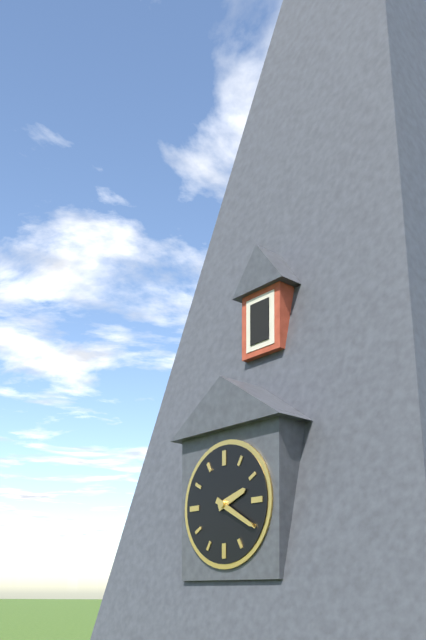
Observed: **2:20**
